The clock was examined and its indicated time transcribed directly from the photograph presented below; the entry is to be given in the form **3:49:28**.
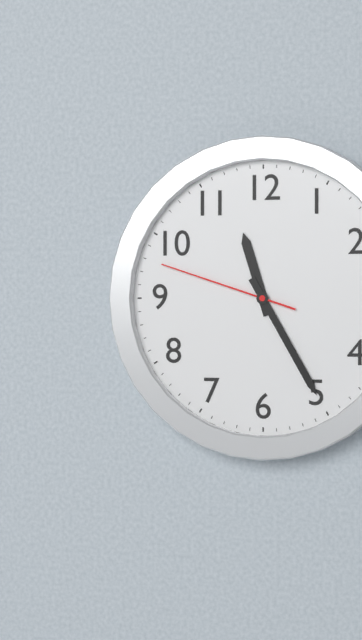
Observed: **11:25:48**
